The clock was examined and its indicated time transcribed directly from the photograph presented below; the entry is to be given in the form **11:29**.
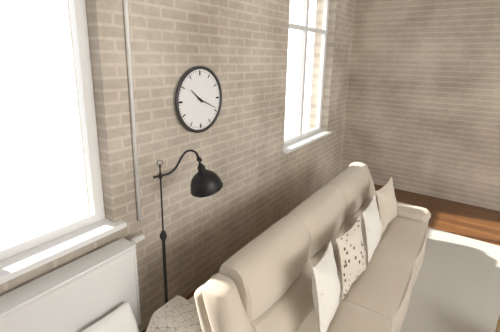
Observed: **10:19**
